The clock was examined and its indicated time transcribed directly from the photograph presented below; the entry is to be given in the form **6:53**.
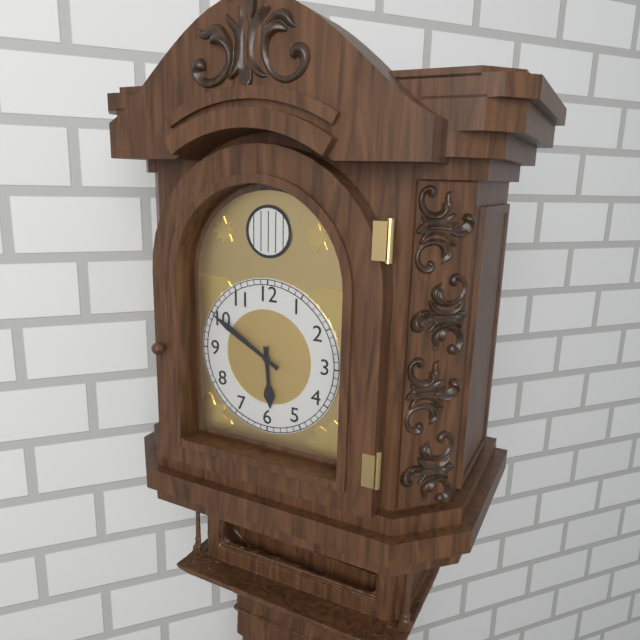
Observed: **5:50**
